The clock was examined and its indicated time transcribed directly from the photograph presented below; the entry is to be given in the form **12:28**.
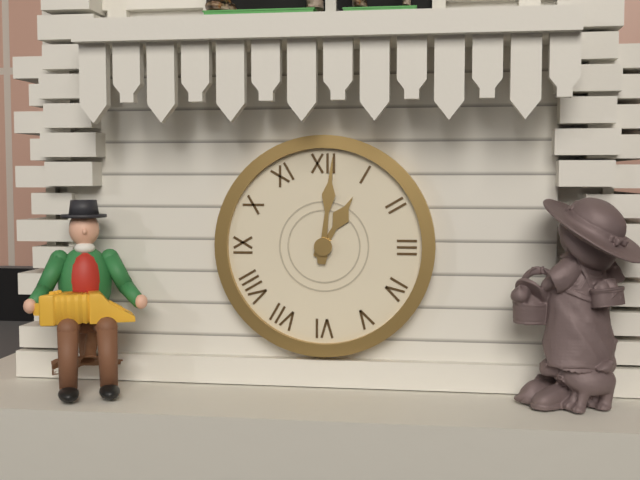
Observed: **1:01**
